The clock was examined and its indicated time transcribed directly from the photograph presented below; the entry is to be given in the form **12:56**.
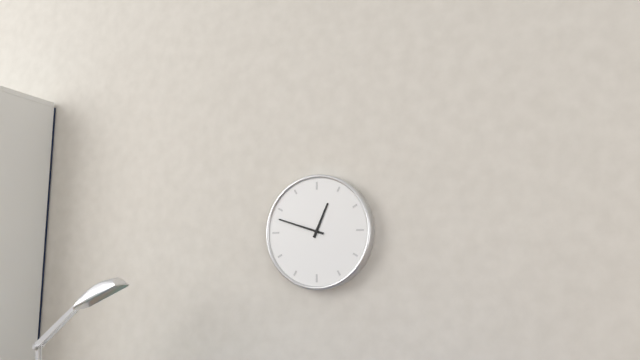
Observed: **12:48**
